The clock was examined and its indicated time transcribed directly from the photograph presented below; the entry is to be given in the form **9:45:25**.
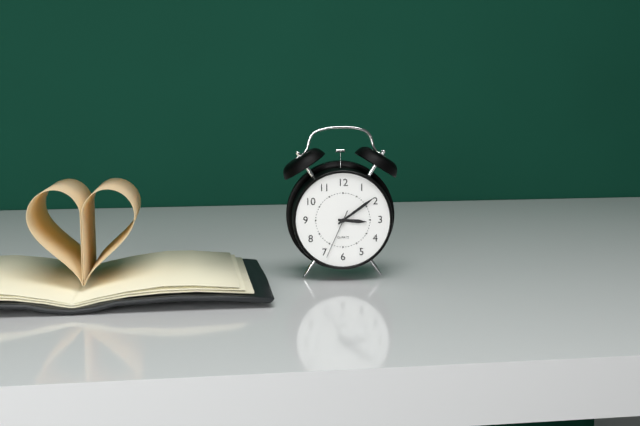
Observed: **3:09:34**
